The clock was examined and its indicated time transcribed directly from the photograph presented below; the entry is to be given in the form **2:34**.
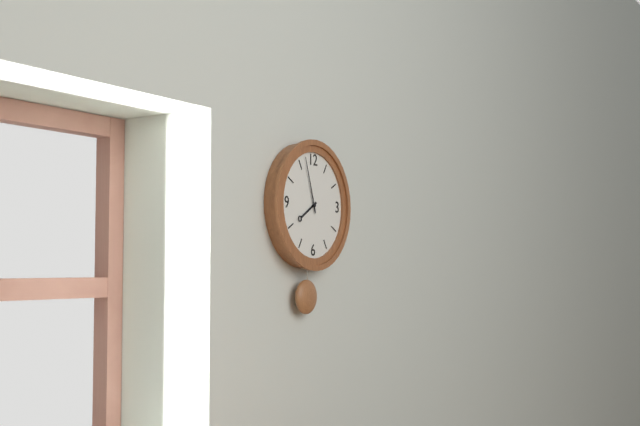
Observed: **7:57**
